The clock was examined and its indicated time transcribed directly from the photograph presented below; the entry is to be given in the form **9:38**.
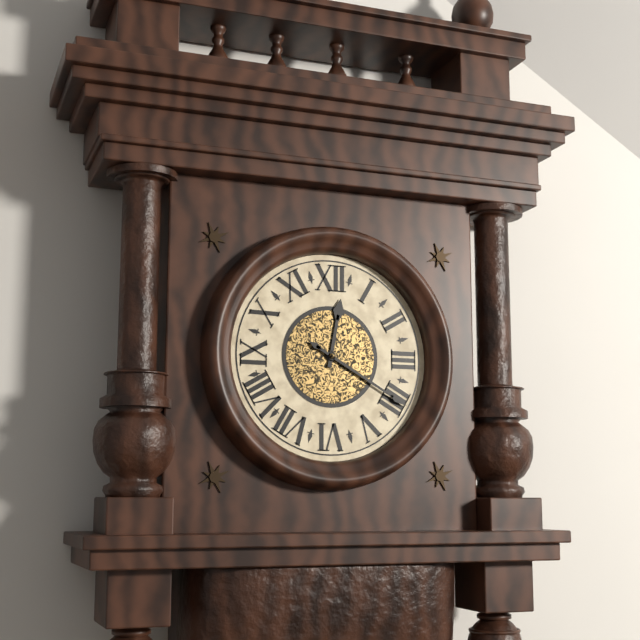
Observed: **12:20**
